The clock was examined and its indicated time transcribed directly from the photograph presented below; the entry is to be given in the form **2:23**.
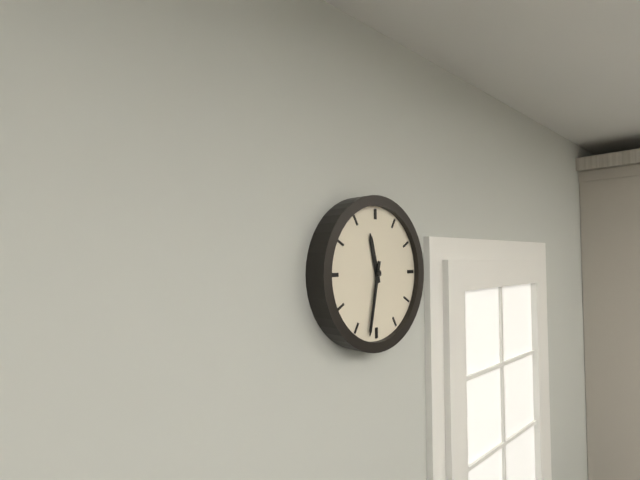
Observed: **11:32**
